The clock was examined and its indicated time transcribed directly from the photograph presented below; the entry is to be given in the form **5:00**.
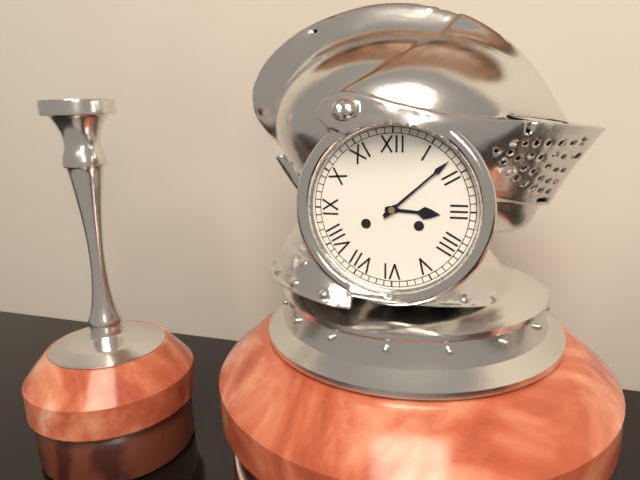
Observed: **3:08**
